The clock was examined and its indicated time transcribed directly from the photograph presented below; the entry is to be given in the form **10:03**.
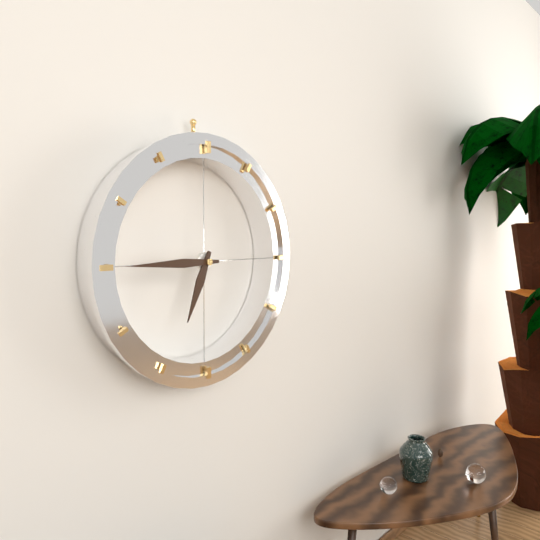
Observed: **6:45**
